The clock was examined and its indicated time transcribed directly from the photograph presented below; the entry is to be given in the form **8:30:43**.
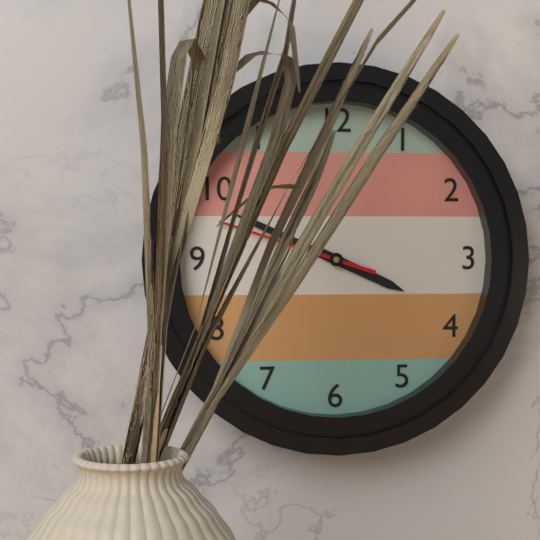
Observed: **3:49:48**
